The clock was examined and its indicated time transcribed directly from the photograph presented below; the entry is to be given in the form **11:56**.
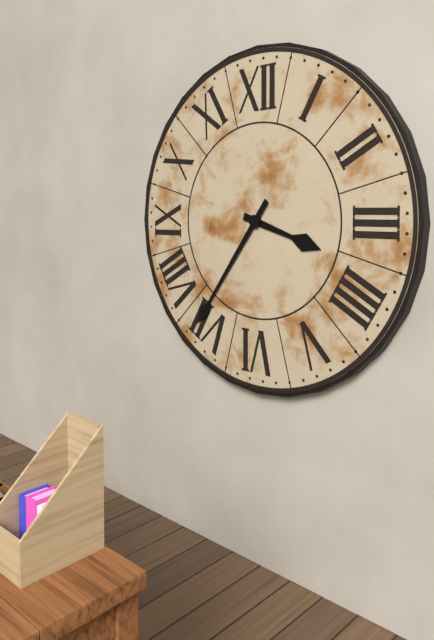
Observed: **3:36**
